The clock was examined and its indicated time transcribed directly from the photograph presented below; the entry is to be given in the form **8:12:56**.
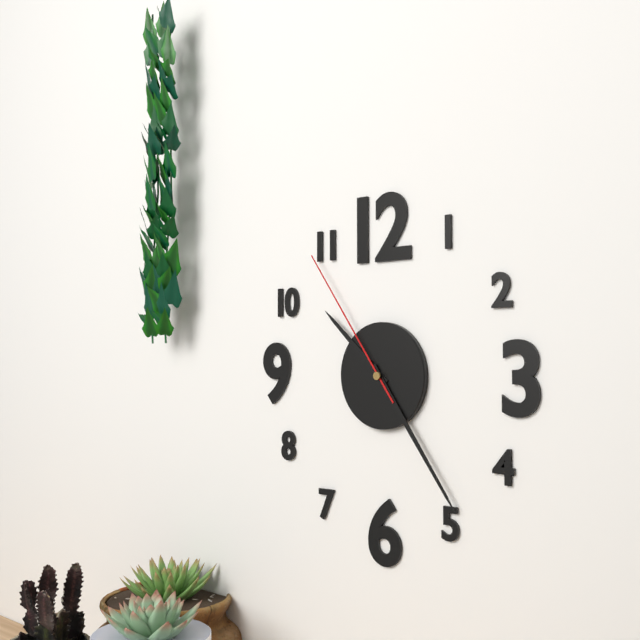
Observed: **10:24:54**
